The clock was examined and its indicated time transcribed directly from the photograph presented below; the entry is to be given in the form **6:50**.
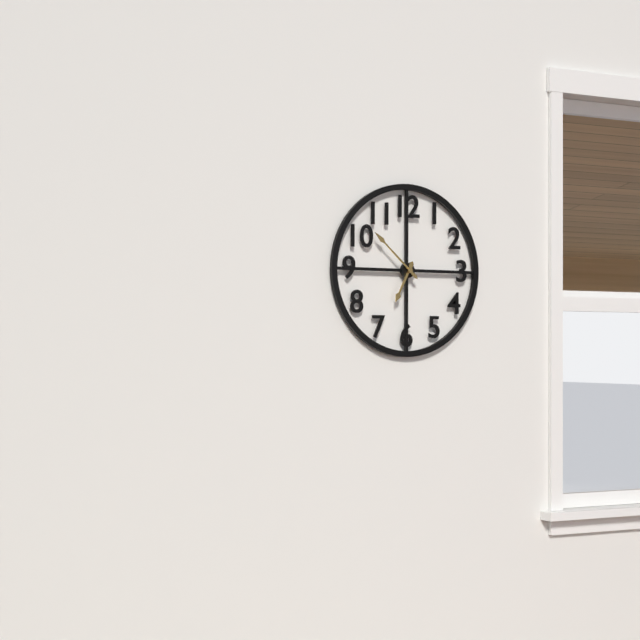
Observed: **6:52**
